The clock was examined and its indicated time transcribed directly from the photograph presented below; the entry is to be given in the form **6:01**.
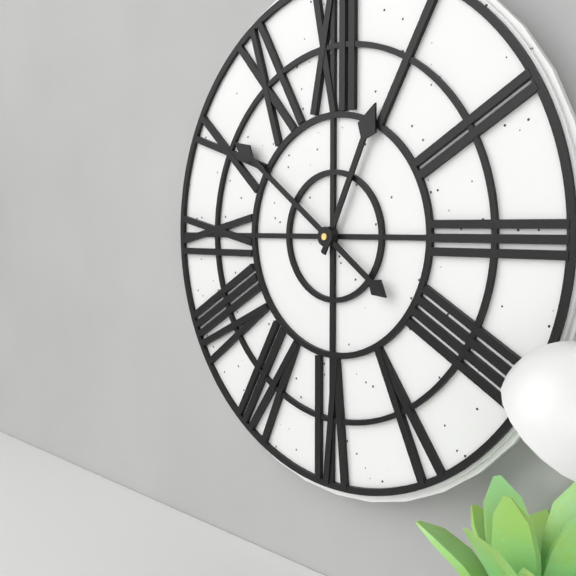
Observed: **12:51**
